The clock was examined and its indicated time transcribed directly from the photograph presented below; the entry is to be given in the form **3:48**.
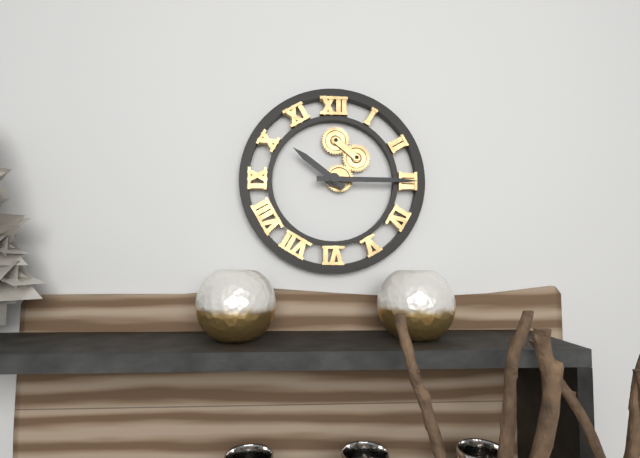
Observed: **10:15**
